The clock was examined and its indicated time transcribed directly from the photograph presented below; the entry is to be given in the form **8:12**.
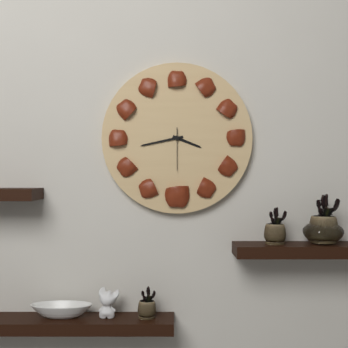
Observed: **3:43**
